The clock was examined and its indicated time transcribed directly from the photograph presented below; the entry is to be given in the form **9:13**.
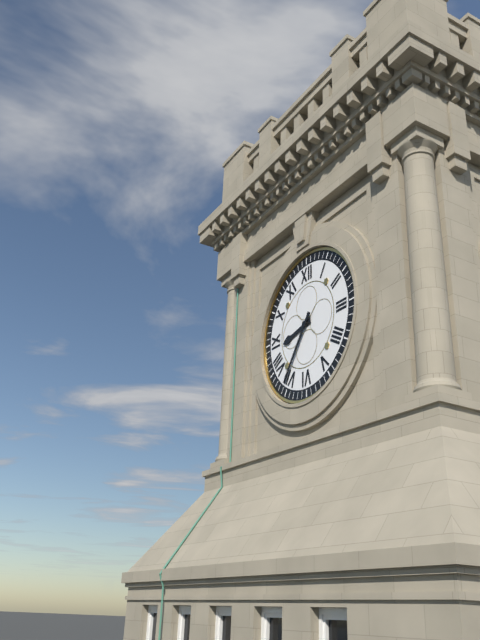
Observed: **8:36**
